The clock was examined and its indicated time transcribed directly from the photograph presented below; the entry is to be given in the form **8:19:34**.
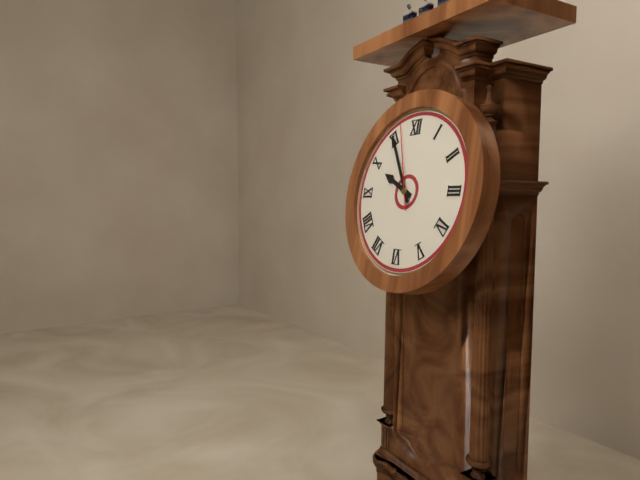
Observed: **9:55:57**
